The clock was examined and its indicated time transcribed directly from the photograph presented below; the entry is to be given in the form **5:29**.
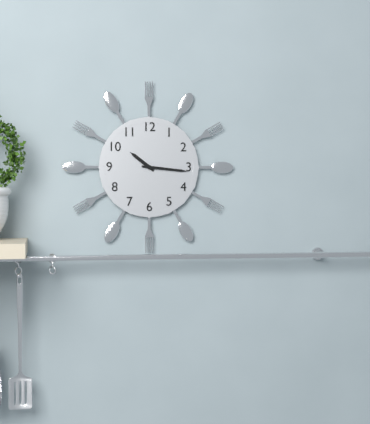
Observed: **10:16**
